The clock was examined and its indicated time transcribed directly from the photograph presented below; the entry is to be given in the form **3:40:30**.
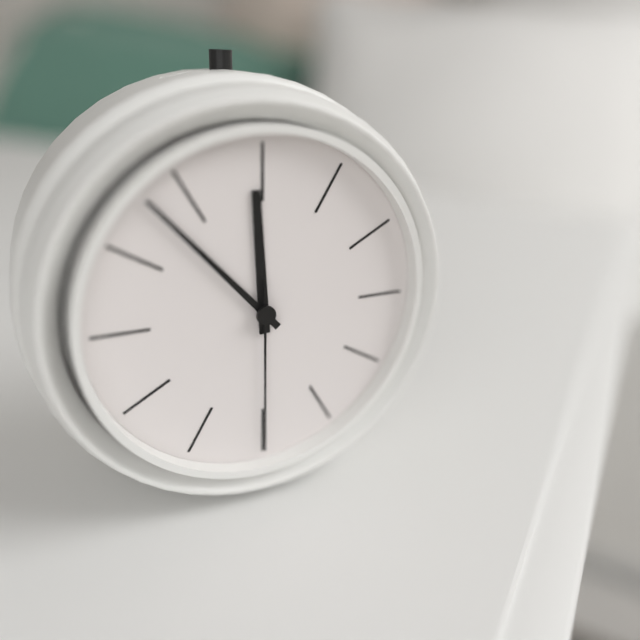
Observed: **11:53:30**
